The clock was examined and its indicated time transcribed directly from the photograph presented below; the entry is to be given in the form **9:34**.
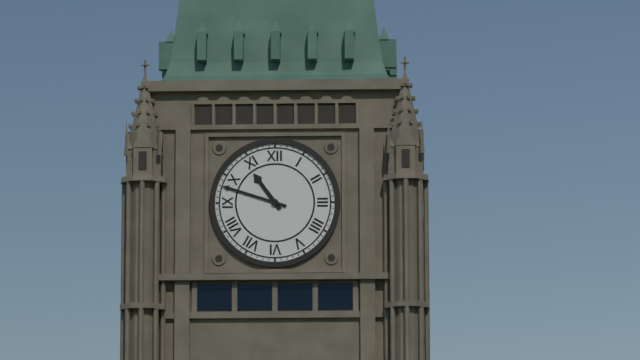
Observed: **10:48**
